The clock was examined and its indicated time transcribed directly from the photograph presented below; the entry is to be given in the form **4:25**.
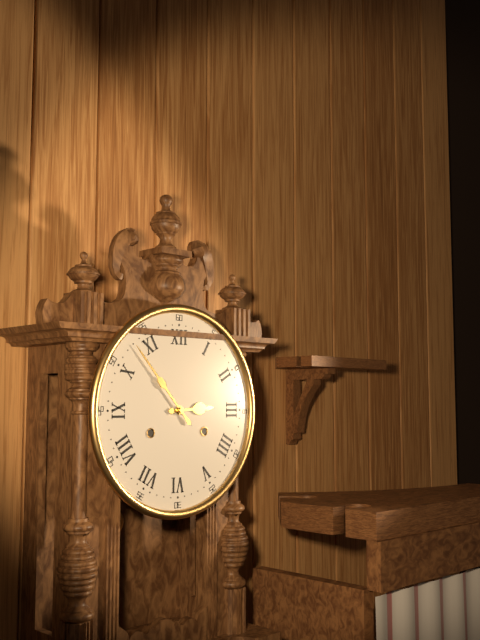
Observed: **2:53**
